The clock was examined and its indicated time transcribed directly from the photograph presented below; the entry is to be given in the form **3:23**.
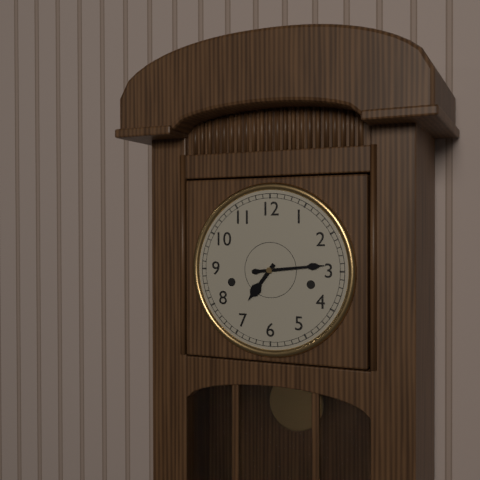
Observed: **7:14**
